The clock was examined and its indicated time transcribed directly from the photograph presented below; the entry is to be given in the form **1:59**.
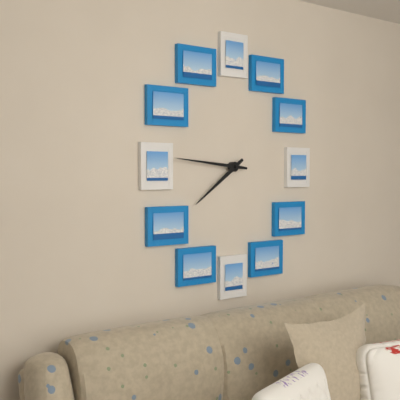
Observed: **7:46**
